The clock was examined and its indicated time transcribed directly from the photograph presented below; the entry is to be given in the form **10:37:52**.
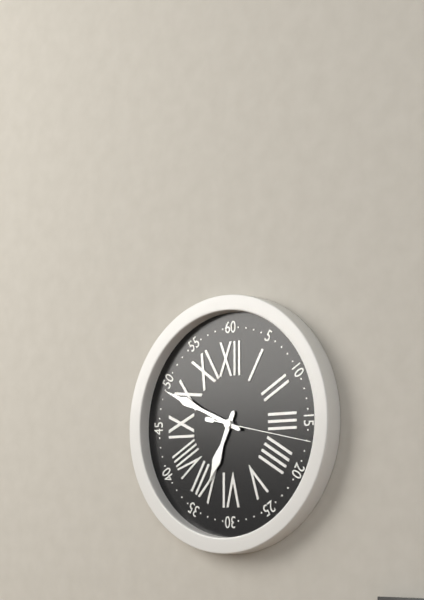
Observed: **6:49:17**
